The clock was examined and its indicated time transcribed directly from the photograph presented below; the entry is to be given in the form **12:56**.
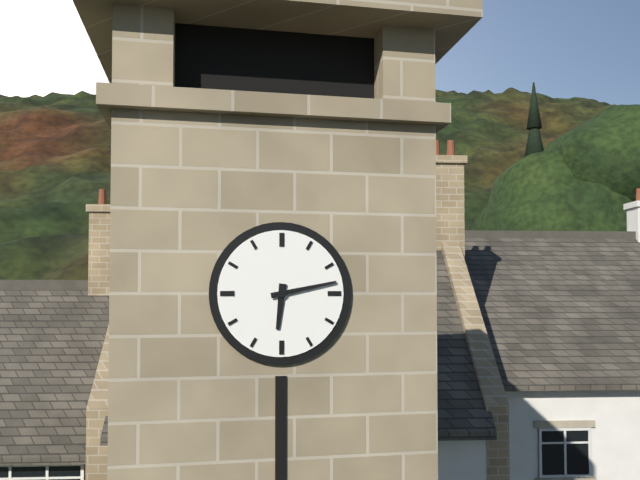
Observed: **6:13**
